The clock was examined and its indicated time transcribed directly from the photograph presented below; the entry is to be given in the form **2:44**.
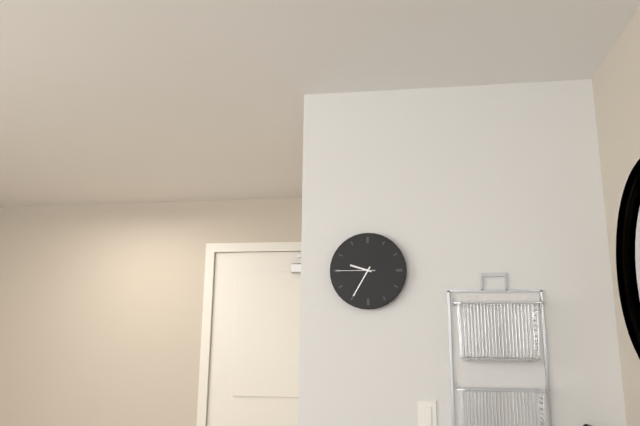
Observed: **9:35**
